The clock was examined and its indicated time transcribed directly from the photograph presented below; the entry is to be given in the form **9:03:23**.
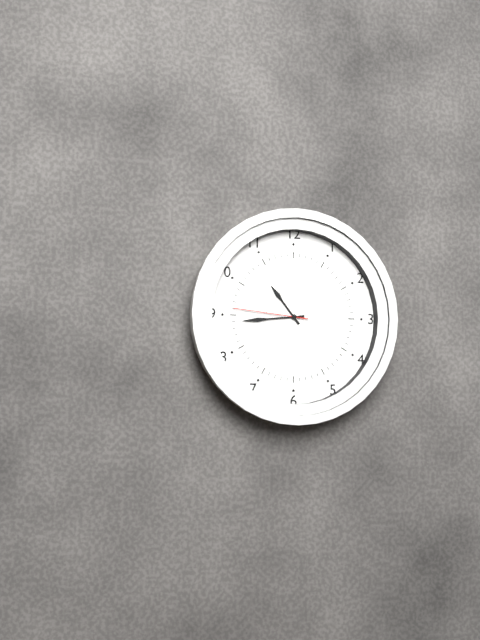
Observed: **10:44:46**
